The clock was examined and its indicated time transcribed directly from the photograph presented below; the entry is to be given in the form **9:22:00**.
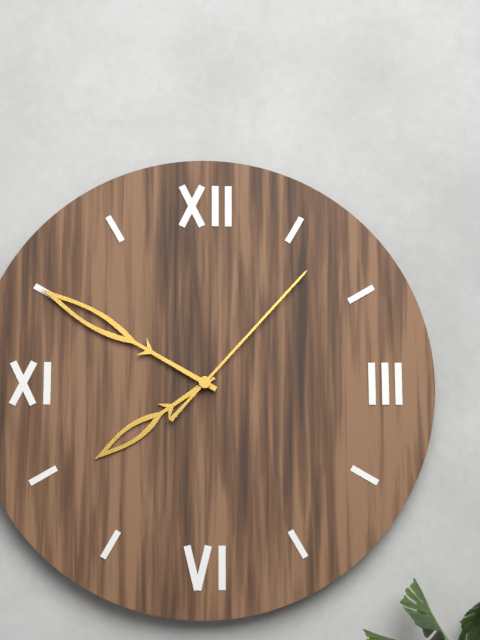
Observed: **7:50:07**
